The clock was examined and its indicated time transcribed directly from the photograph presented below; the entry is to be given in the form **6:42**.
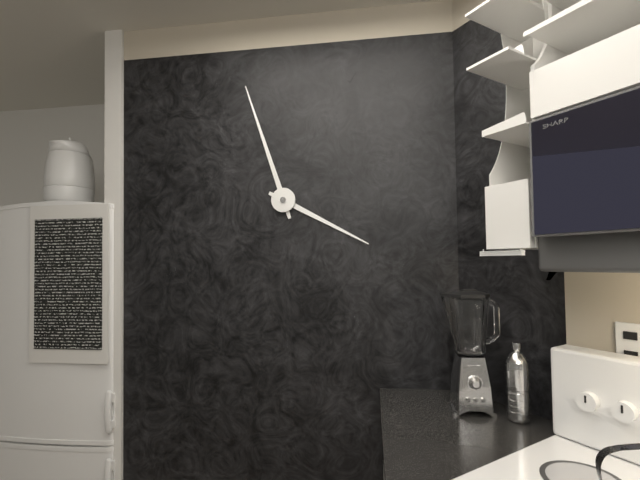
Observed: **3:57**
